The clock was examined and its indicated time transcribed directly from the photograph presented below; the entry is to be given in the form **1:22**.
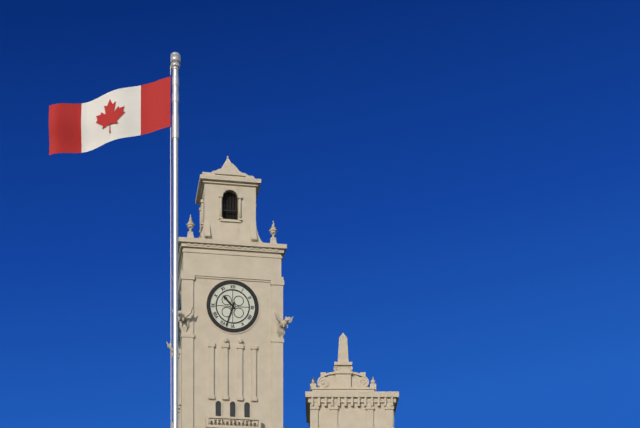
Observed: **10:33**
